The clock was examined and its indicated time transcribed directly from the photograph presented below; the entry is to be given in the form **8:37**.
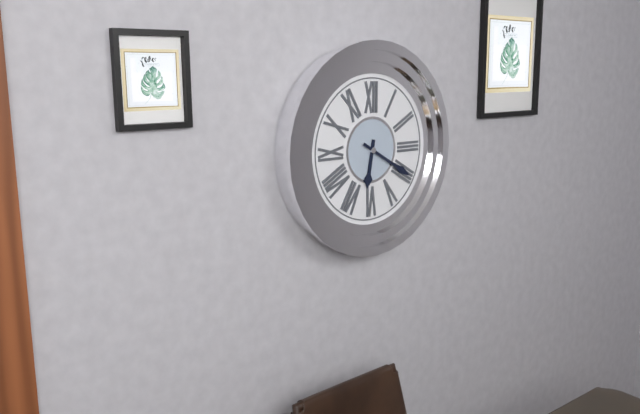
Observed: **6:20**
